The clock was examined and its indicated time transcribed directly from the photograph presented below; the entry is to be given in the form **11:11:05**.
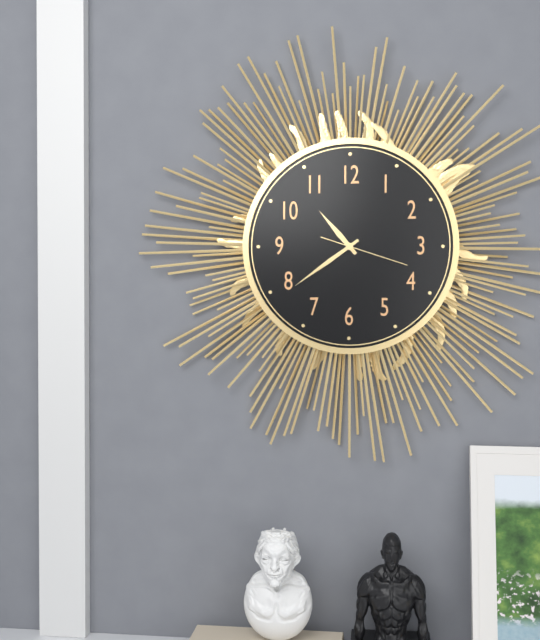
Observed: **10:39:18**
